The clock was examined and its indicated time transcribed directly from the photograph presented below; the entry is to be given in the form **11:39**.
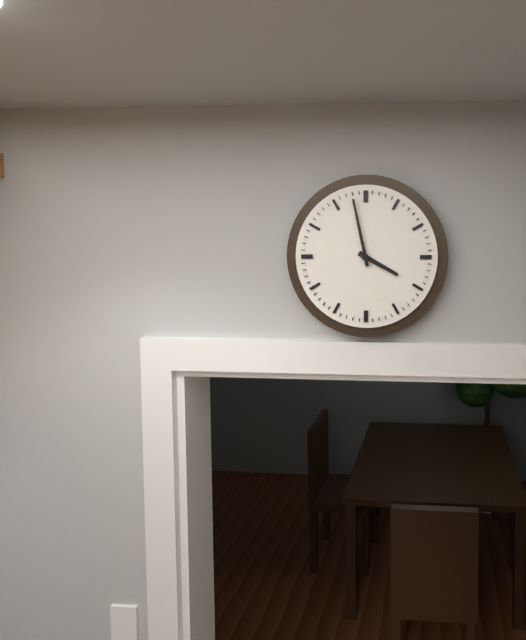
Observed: **3:58**
